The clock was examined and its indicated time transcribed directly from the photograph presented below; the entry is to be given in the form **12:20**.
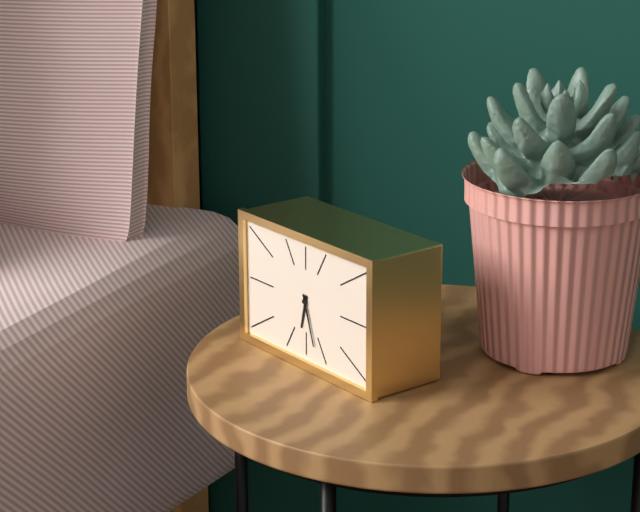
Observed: **6:27**
